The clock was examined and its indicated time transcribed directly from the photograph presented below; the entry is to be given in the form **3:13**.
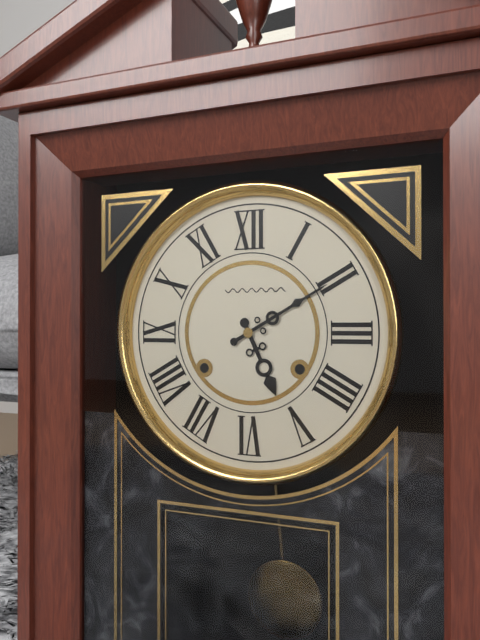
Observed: **5:10**
